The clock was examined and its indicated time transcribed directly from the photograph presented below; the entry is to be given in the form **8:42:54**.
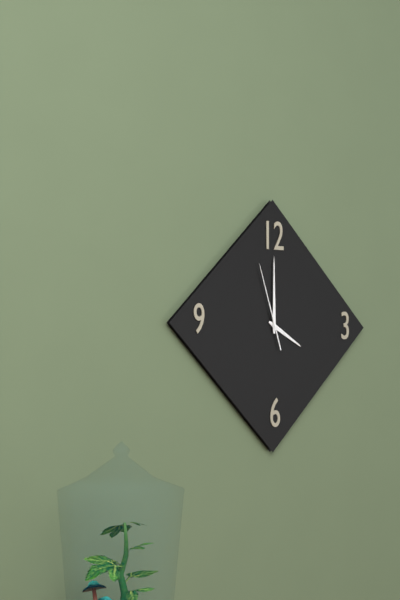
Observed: **4:00:57**
